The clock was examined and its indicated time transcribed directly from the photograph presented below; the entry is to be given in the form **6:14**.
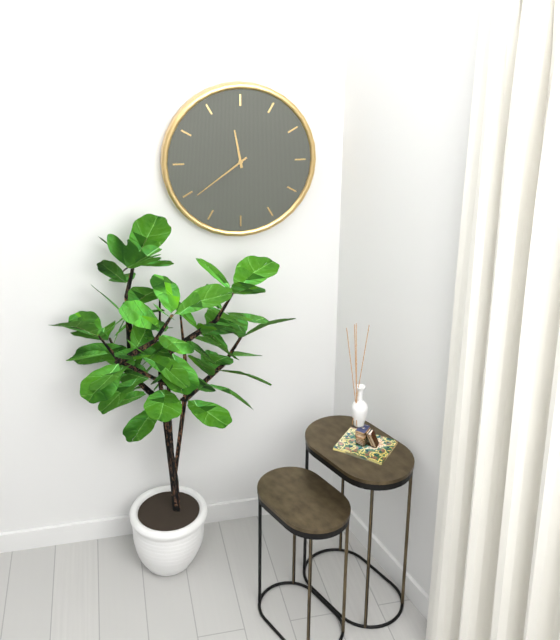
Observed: **11:39**
